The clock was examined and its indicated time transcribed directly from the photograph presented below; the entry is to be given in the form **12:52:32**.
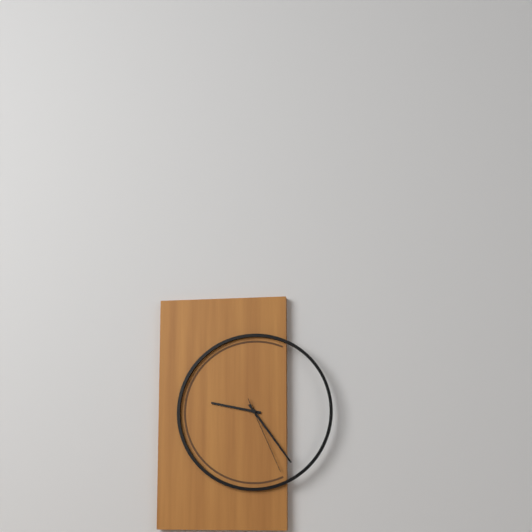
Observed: **9:24:26**
